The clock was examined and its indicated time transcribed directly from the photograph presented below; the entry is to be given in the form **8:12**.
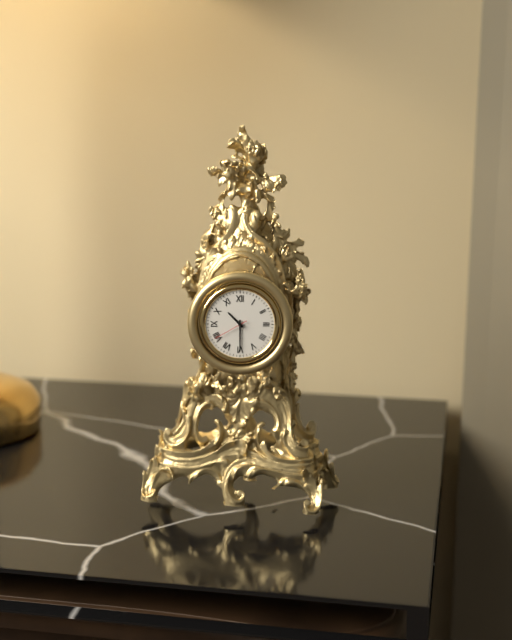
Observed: **10:30**
